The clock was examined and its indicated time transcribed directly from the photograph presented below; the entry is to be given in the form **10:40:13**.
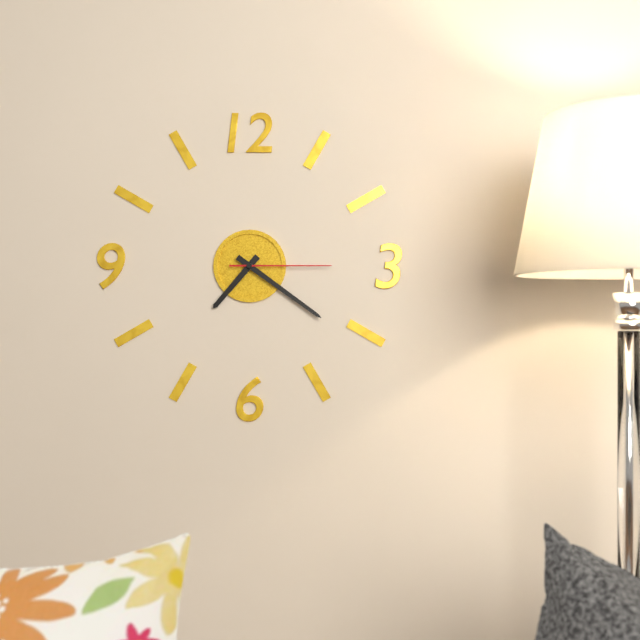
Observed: **7:21:15**
